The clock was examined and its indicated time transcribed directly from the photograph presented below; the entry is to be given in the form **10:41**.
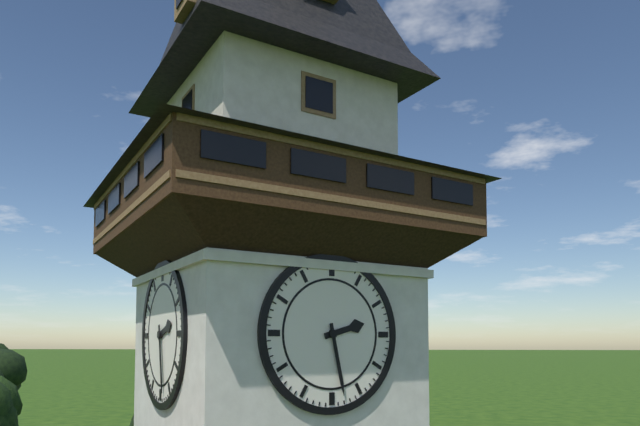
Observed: **2:28**
